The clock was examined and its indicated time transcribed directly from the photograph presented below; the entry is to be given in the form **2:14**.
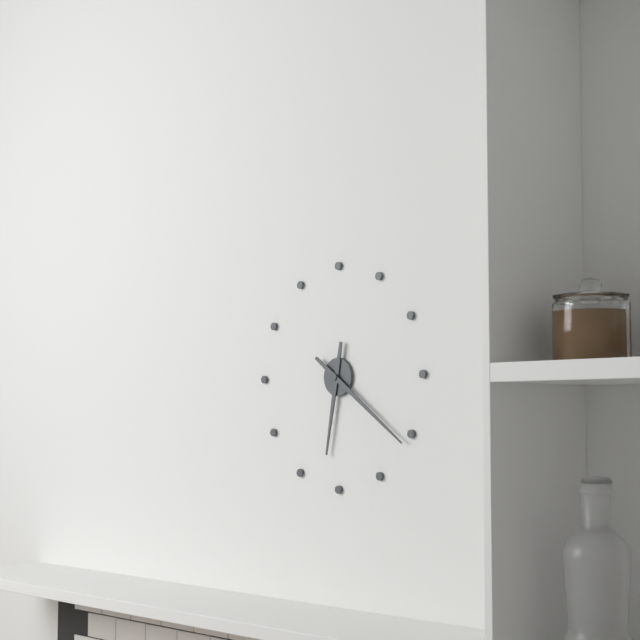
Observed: **6:21**
